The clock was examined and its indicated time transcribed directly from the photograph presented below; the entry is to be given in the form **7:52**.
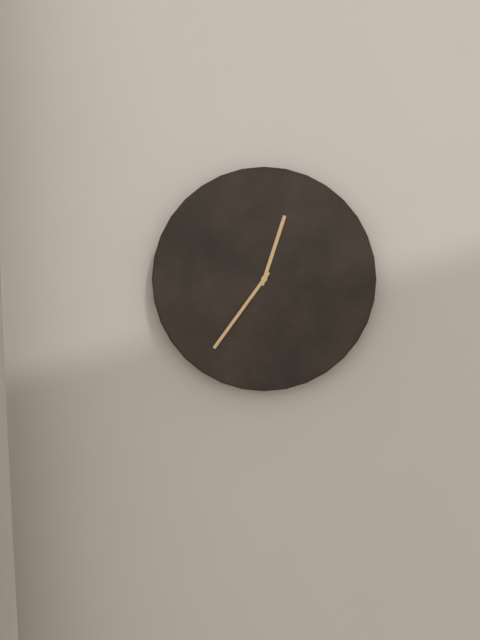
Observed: **12:36**
